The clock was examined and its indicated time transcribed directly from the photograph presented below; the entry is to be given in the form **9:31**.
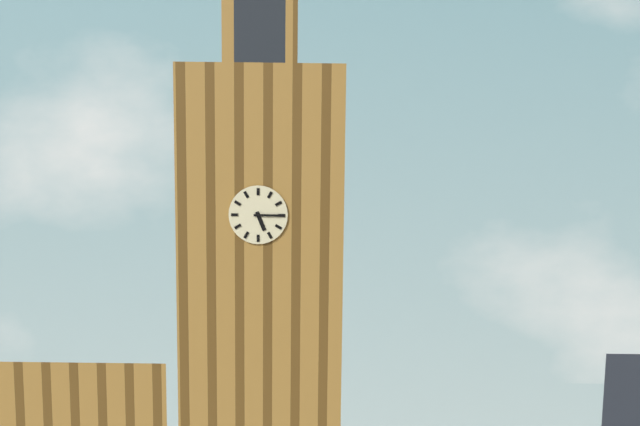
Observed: **5:15**
